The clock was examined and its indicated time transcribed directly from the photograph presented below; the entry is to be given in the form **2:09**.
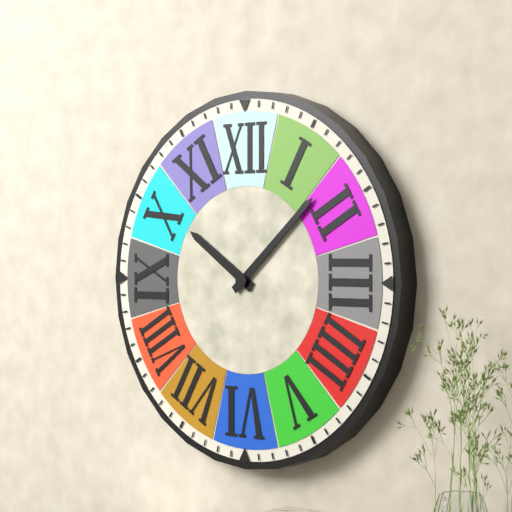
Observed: **10:08**
